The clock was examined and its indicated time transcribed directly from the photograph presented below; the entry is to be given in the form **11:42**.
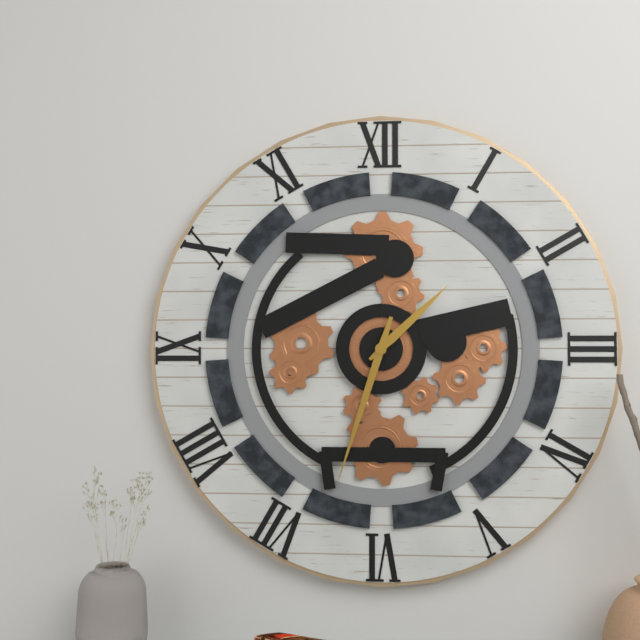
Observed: **1:33**
